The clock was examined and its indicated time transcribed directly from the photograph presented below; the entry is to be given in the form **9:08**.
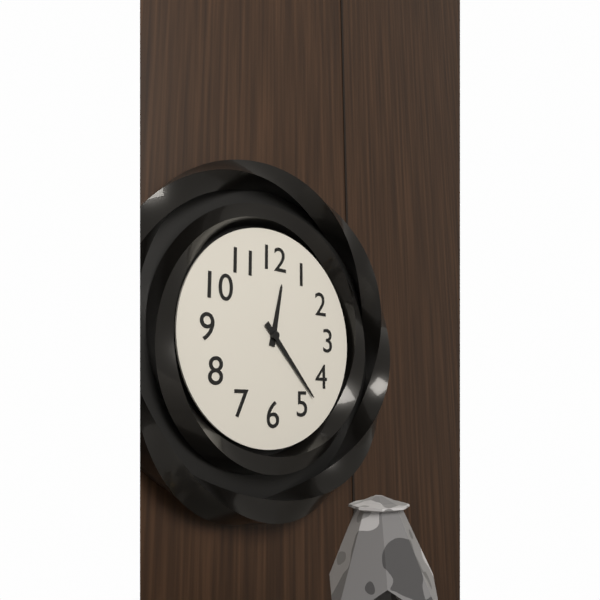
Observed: **12:23**
